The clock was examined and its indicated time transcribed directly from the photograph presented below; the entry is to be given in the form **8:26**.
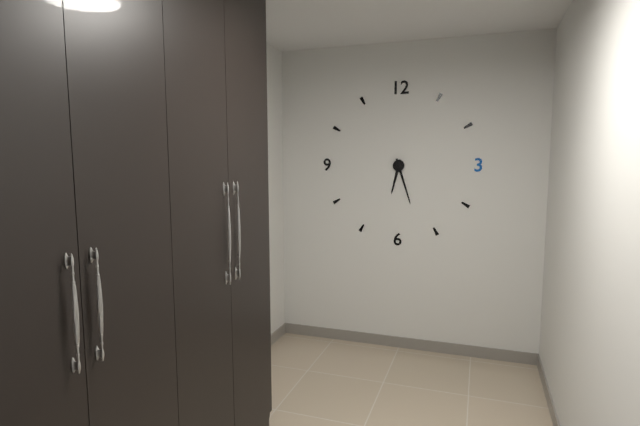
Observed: **6:27**
